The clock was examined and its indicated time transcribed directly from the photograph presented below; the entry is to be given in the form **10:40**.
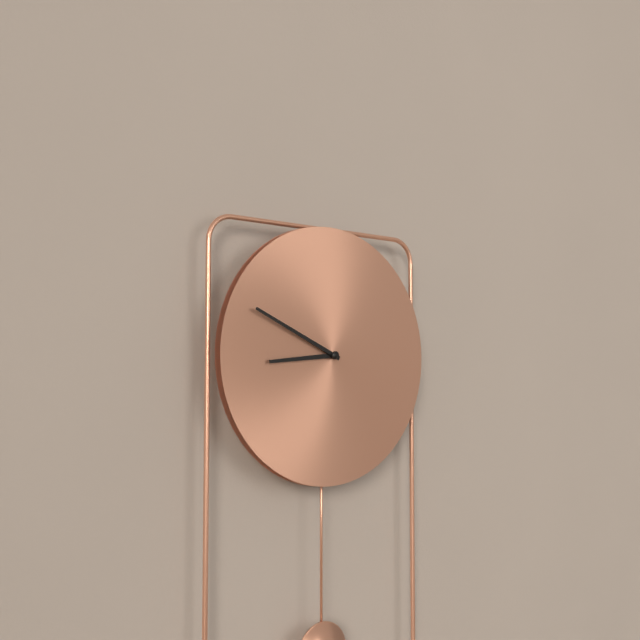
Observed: **8:49**
